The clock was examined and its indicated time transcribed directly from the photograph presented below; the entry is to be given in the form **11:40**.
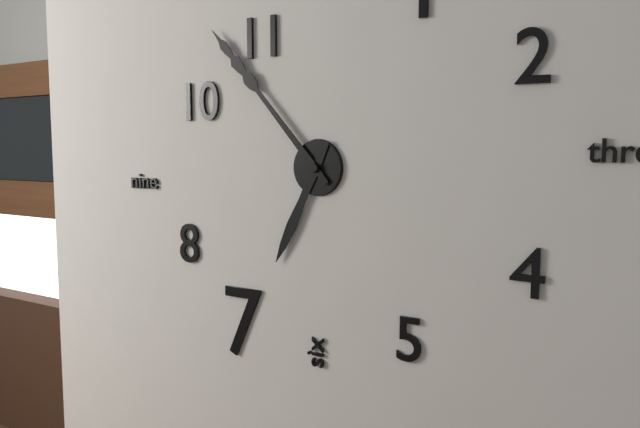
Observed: **6:53**
